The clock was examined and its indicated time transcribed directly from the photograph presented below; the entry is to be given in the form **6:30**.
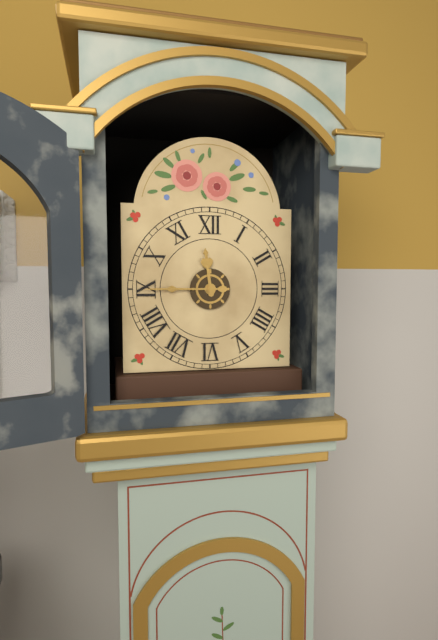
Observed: **11:45**
